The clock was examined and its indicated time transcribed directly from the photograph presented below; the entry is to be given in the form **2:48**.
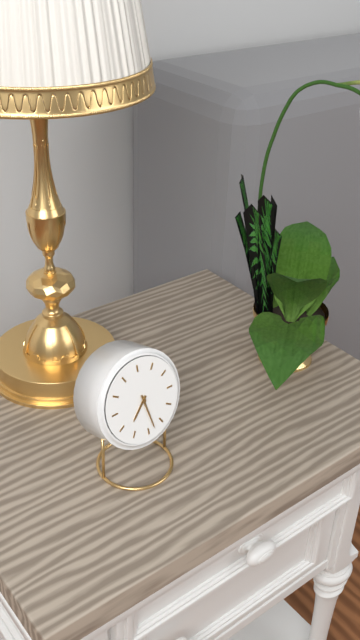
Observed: **7:28**
